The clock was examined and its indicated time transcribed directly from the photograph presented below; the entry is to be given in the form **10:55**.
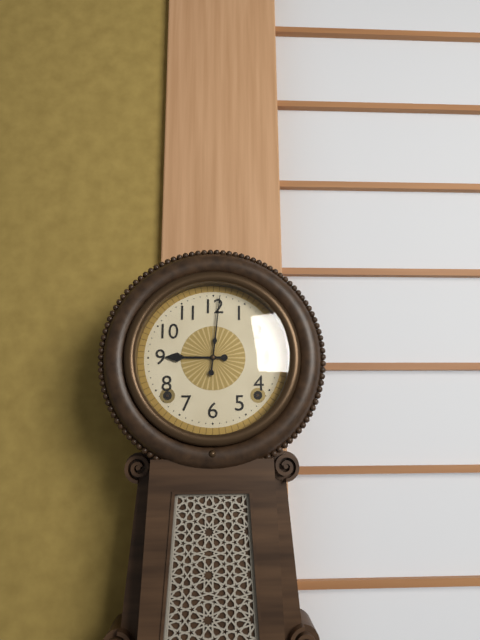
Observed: **9:01**
